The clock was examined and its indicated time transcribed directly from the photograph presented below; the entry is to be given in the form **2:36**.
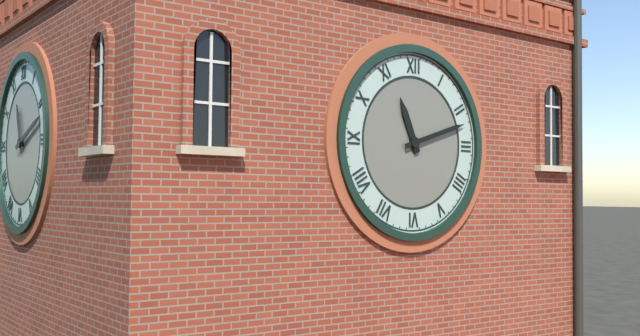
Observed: **11:12**
